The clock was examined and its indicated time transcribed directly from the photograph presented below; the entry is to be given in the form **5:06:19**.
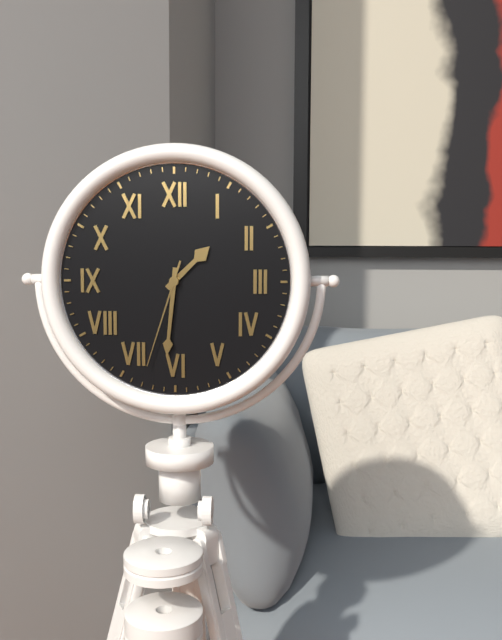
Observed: **1:31:33**
